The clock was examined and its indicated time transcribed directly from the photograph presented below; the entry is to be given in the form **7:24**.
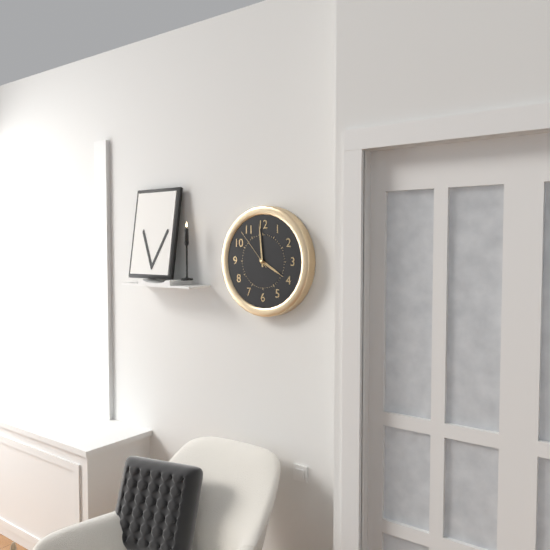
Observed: **3:59**
